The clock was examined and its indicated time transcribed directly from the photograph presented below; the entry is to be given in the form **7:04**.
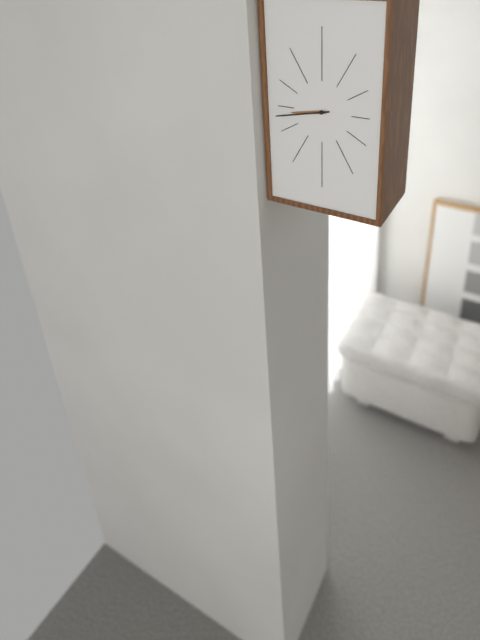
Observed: **8:43**
